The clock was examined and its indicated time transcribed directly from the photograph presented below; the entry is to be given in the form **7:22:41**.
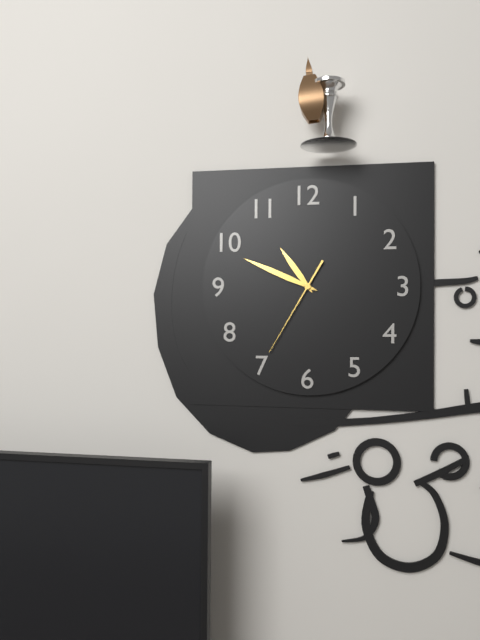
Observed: **10:49:35**
